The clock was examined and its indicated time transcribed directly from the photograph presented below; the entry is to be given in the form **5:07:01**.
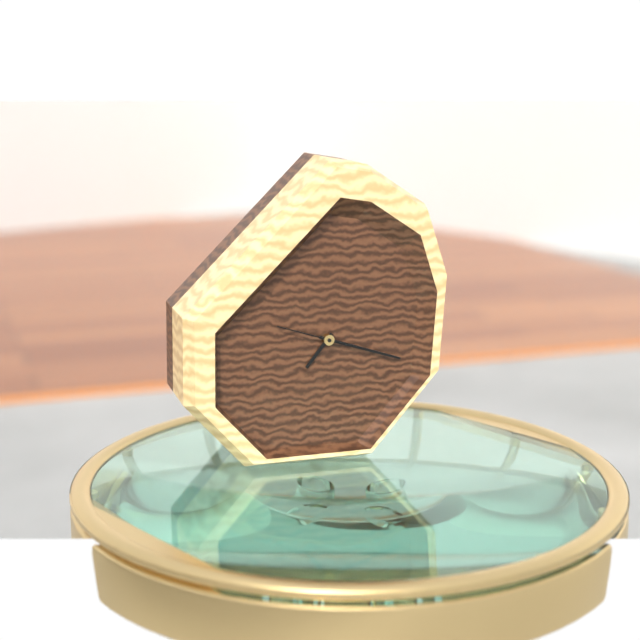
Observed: **7:18:48**
